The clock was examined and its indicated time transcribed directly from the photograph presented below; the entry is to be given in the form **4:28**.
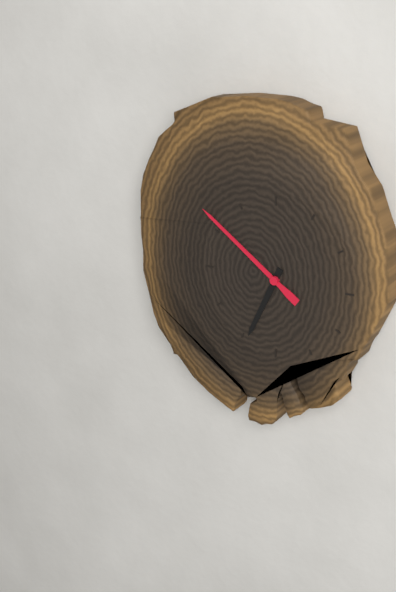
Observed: **6:51**
